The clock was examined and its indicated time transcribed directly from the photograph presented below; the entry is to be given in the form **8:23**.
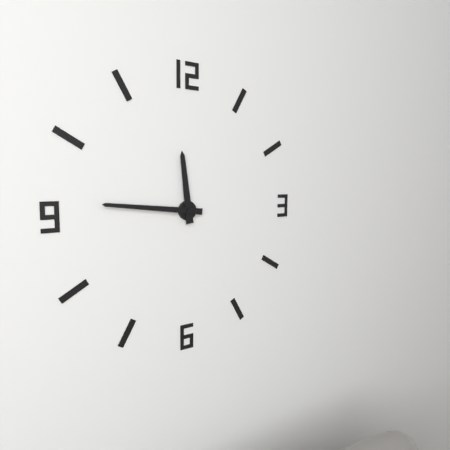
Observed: **11:46**
